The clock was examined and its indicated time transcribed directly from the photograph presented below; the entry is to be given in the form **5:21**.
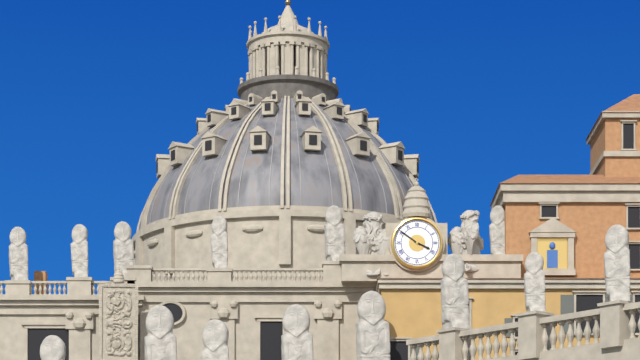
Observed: **3:51**
